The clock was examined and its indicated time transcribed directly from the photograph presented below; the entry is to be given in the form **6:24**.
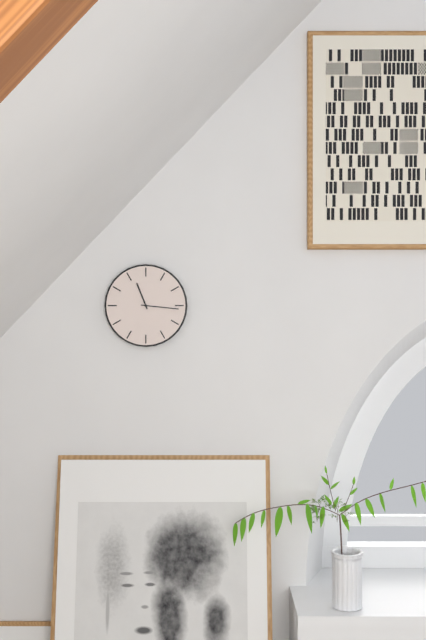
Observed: **11:16**
